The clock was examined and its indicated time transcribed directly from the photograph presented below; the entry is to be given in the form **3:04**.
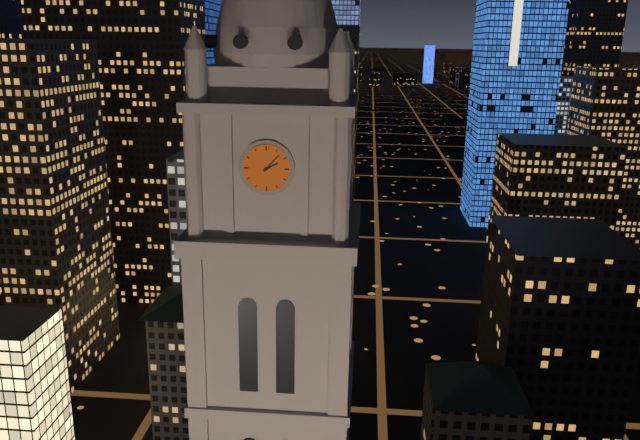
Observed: **2:07**
